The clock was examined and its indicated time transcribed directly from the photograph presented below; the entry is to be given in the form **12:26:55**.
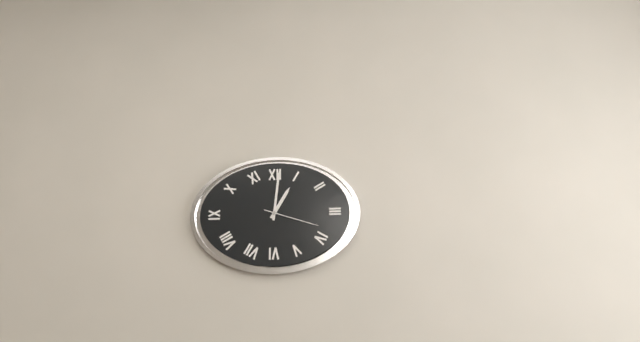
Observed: **1:01:18**
